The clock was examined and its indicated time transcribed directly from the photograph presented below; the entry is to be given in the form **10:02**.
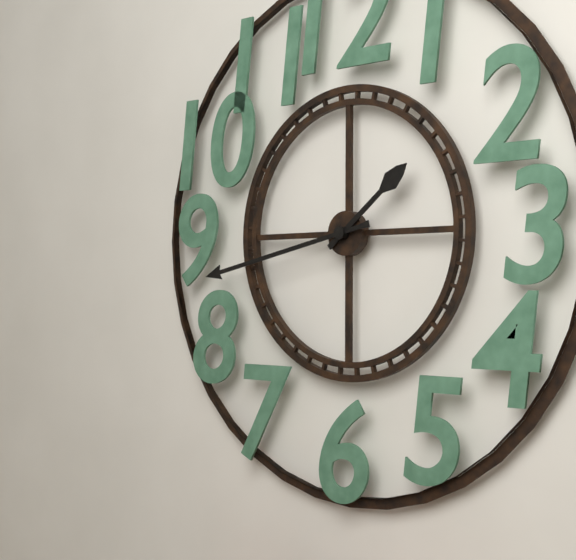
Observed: **1:43**
